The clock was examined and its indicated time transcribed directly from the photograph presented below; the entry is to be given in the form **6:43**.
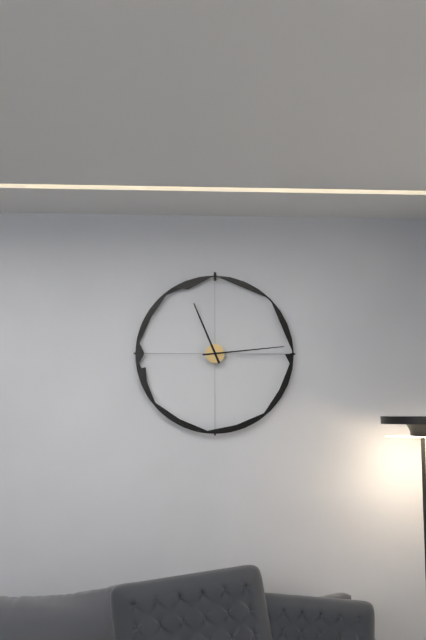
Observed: **11:14**
